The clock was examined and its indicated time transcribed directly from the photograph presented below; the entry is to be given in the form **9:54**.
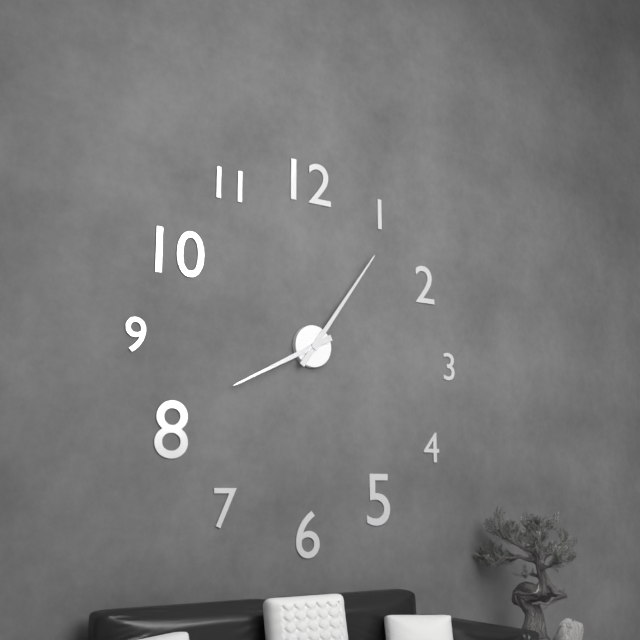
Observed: **8:06**
